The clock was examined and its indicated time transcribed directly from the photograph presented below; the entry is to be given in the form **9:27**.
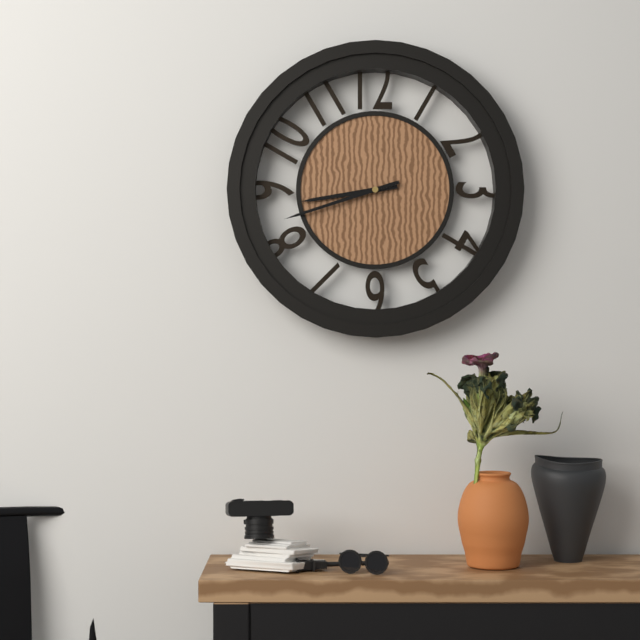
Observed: **8:42**
